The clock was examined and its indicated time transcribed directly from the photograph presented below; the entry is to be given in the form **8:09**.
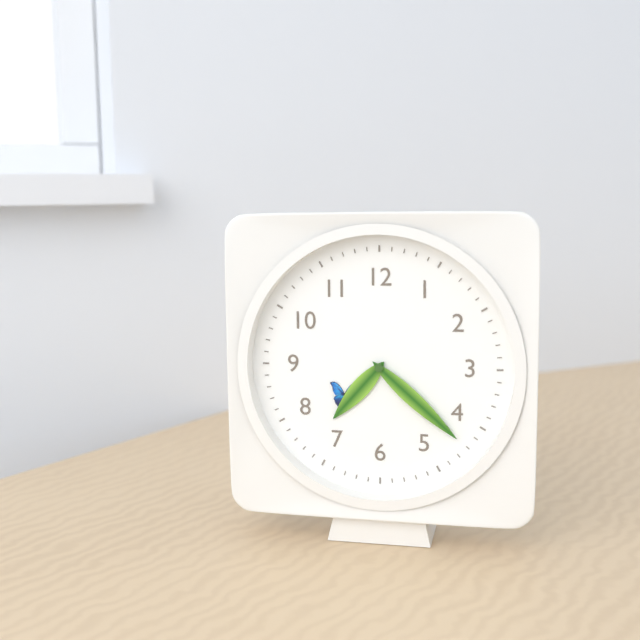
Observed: **7:22**
